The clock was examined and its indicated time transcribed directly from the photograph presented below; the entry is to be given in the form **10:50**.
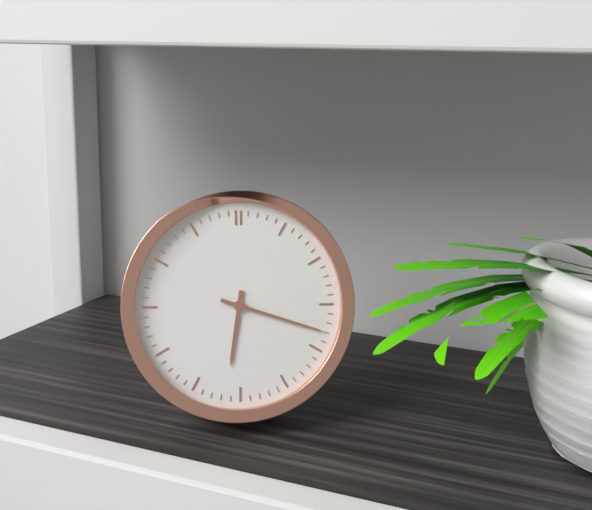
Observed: **6:18**
